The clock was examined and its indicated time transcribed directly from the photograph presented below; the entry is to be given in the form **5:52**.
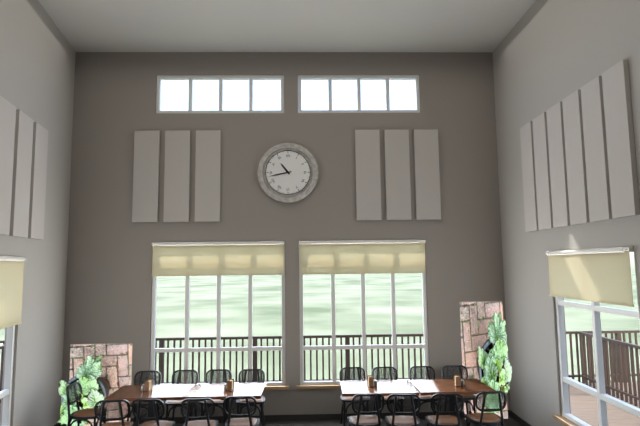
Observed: **10:43**
